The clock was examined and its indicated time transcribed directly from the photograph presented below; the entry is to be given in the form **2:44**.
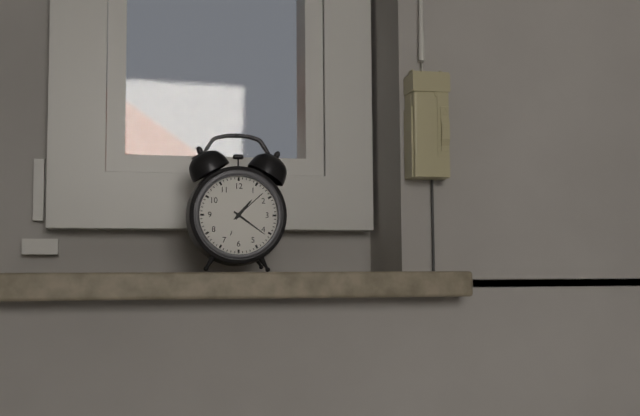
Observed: **1:21**
